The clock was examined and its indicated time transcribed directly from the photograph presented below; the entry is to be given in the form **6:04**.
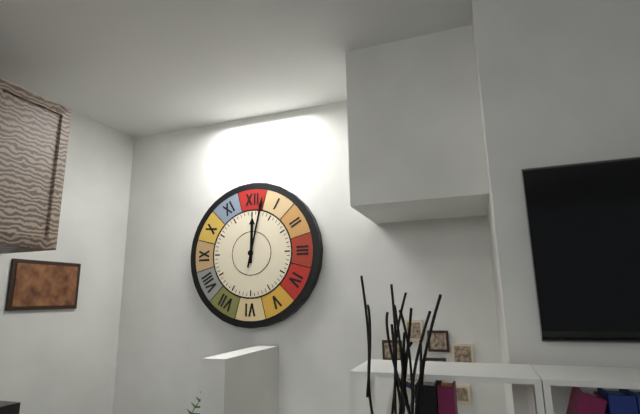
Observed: **12:02**
